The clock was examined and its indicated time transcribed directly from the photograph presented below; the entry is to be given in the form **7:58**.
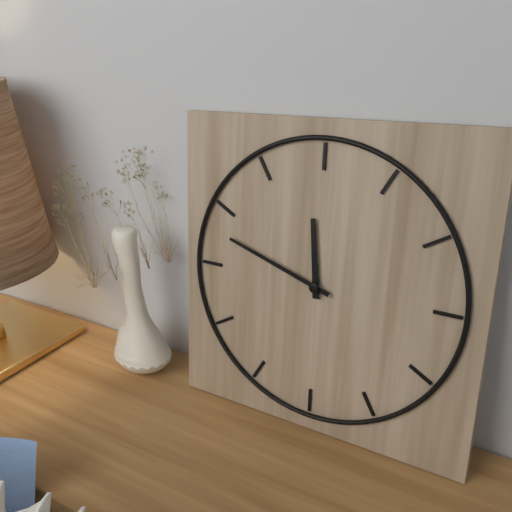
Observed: **11:48**
